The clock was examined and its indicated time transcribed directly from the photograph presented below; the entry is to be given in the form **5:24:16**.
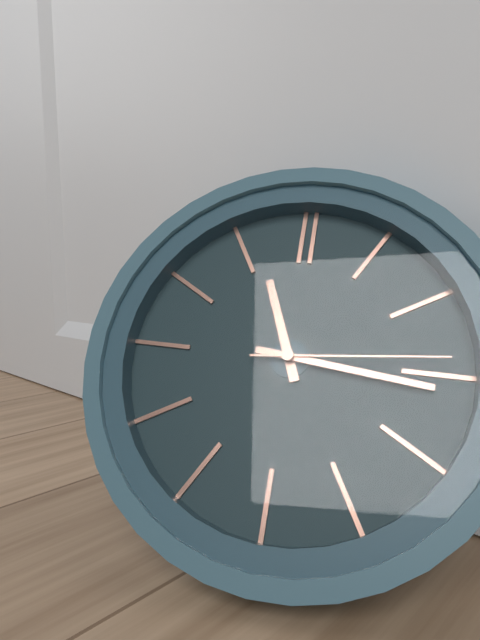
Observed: **11:16:14**
